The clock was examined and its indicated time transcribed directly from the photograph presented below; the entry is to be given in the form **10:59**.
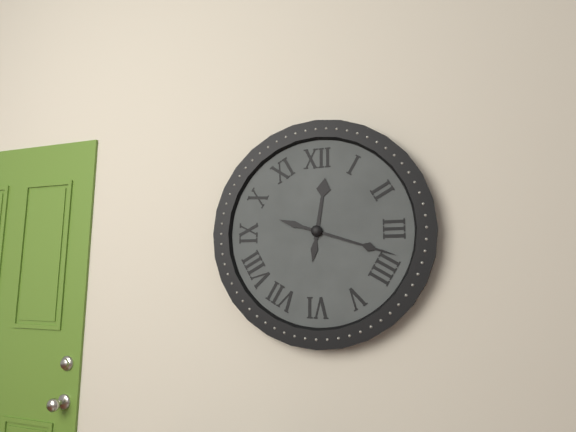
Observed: **12:18**
